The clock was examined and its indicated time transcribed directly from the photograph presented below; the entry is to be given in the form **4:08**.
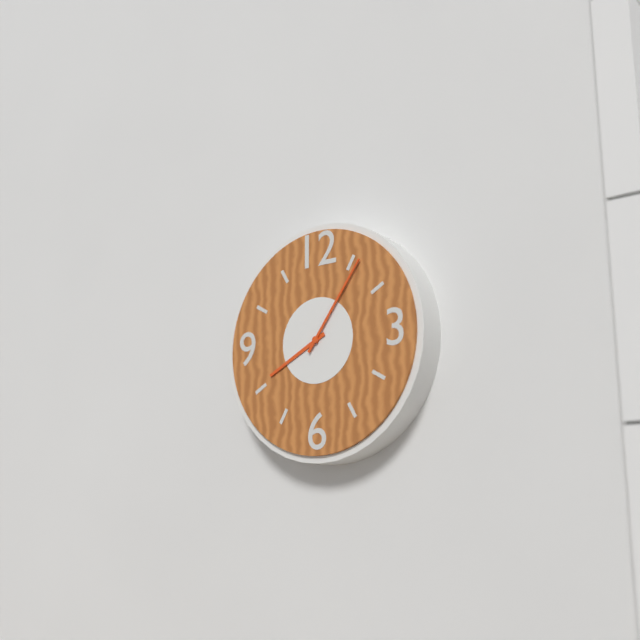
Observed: **8:06**
